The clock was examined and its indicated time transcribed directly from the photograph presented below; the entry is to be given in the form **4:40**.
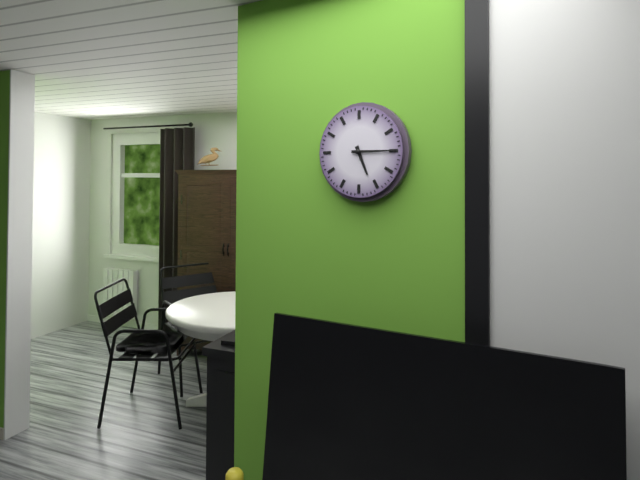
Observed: **5:15**
